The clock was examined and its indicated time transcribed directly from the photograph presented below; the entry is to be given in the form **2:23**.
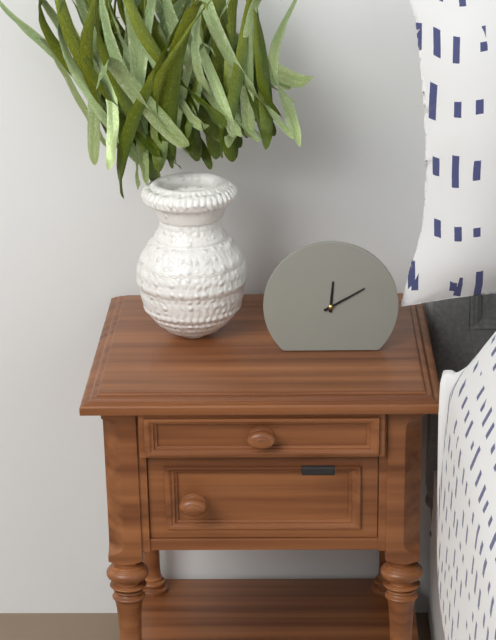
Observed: **12:10**
